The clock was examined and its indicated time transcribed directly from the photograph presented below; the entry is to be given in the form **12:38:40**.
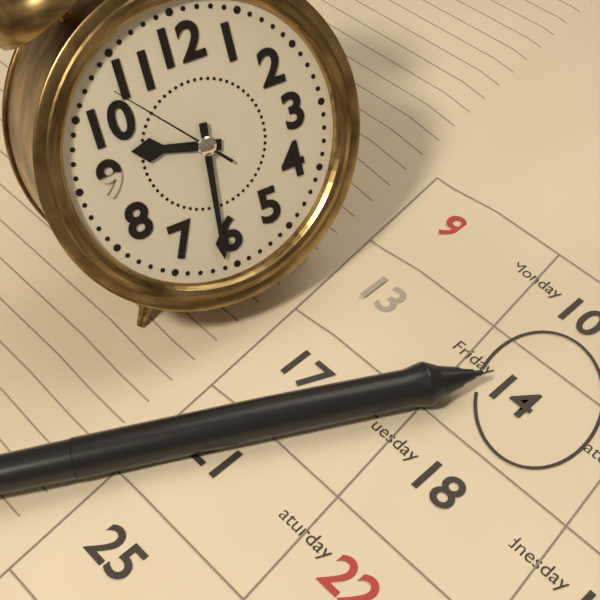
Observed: **9:31:53**
